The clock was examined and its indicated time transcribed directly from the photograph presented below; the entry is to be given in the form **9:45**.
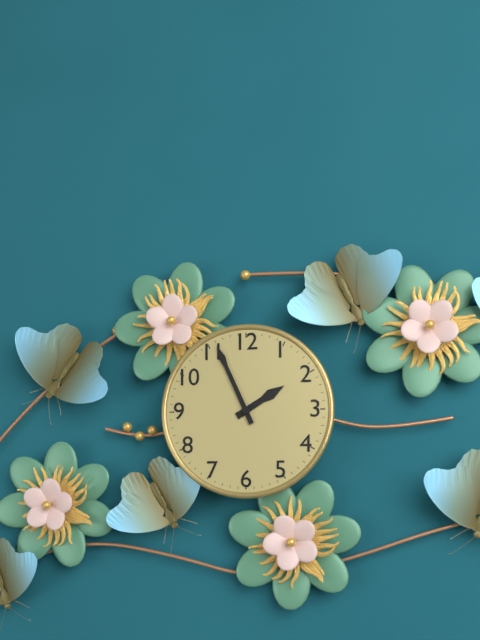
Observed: **1:56**
